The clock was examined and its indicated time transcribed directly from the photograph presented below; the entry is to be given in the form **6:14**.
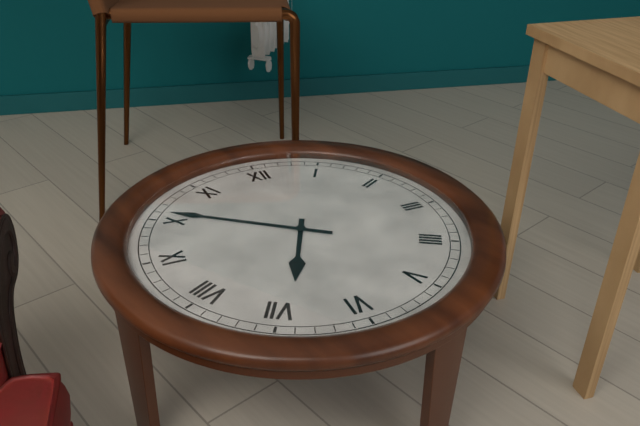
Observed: **6:51**
